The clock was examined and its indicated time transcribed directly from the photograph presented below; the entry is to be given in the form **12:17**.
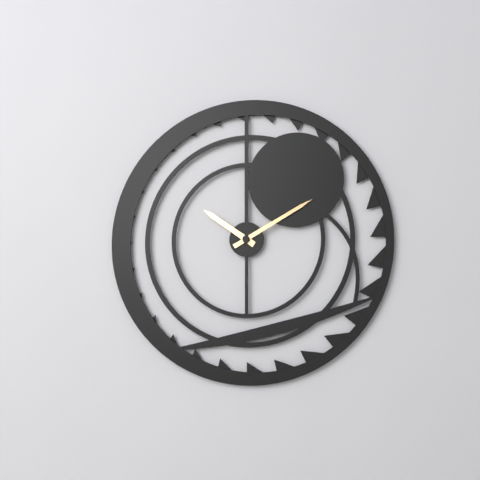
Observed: **10:10**
